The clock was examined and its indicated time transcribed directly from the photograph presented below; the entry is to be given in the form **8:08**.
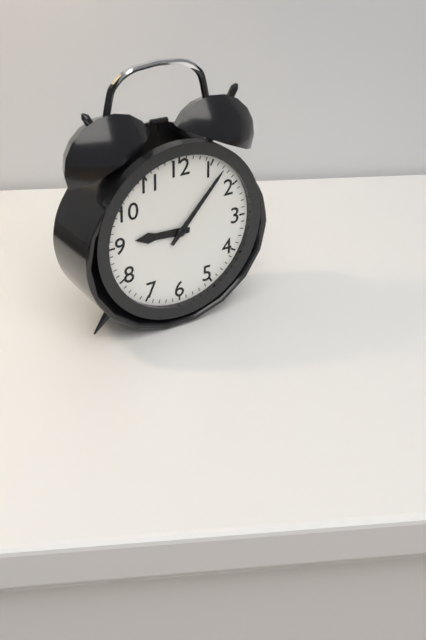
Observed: **9:07**
